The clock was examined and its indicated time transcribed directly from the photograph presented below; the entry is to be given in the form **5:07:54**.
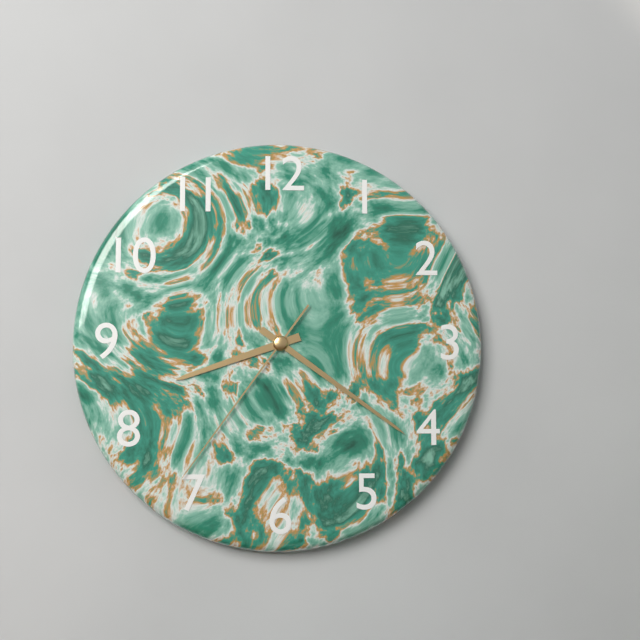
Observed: **8:21:36**
